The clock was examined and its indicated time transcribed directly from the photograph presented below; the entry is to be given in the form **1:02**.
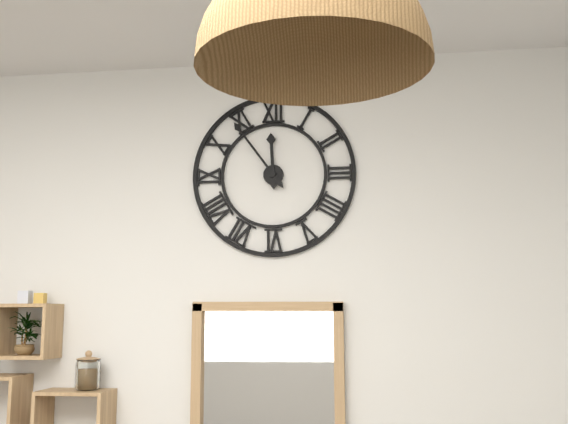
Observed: **11:54**
